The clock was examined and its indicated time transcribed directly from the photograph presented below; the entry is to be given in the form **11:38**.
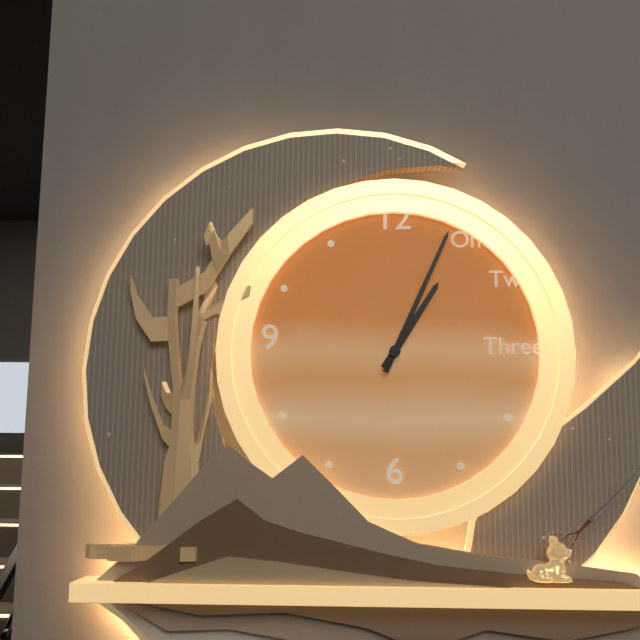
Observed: **1:04**
